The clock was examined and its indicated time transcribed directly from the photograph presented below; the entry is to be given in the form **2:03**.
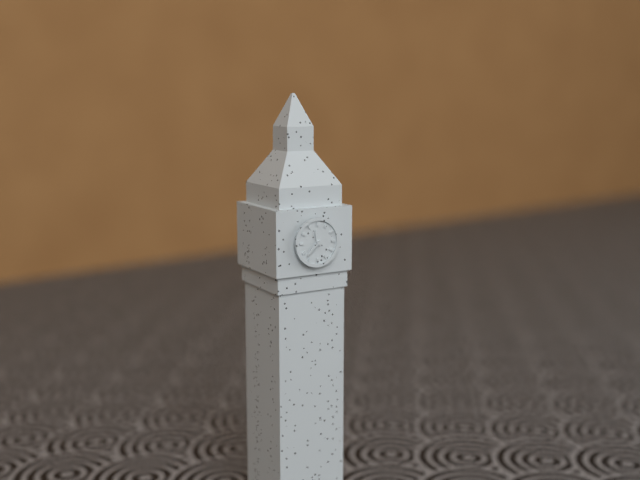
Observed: **11:38**
